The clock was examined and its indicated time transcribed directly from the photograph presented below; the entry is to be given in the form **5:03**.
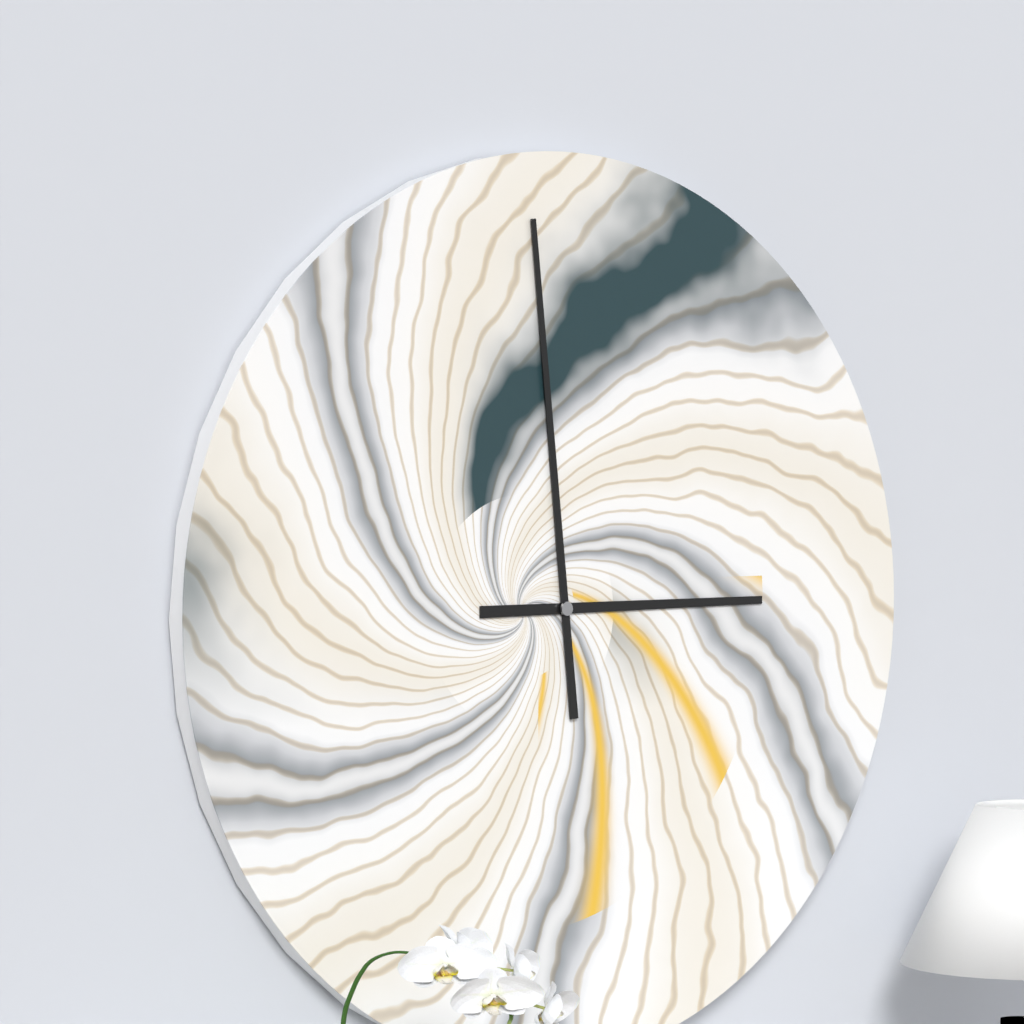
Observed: **2:59**
